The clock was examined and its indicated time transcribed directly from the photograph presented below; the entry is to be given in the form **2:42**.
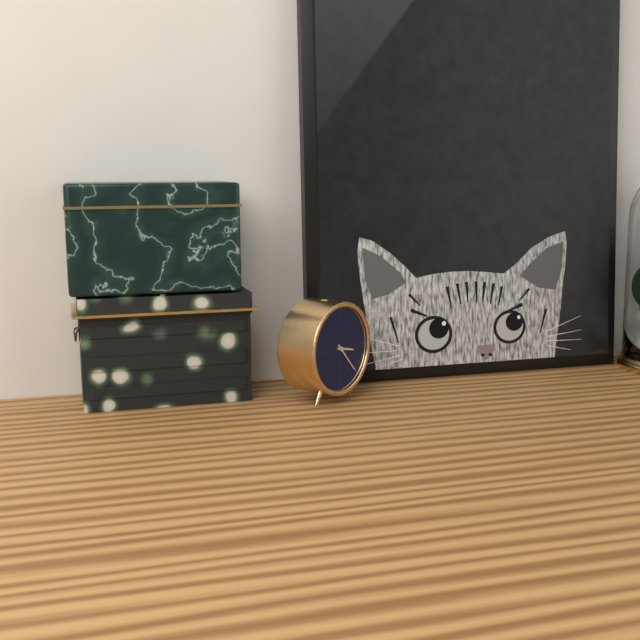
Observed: **3:23**
